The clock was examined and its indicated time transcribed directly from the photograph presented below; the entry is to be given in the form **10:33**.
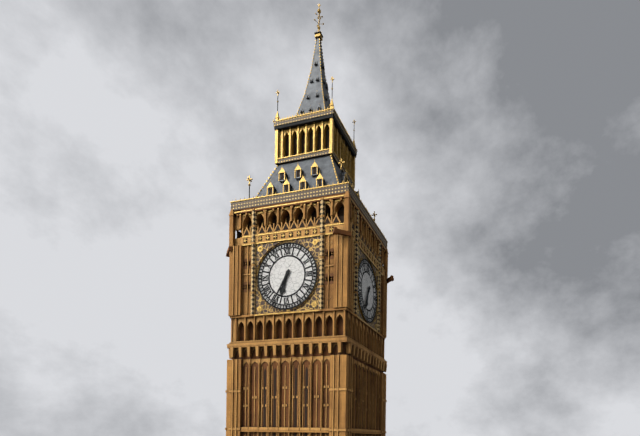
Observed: **6:35**
